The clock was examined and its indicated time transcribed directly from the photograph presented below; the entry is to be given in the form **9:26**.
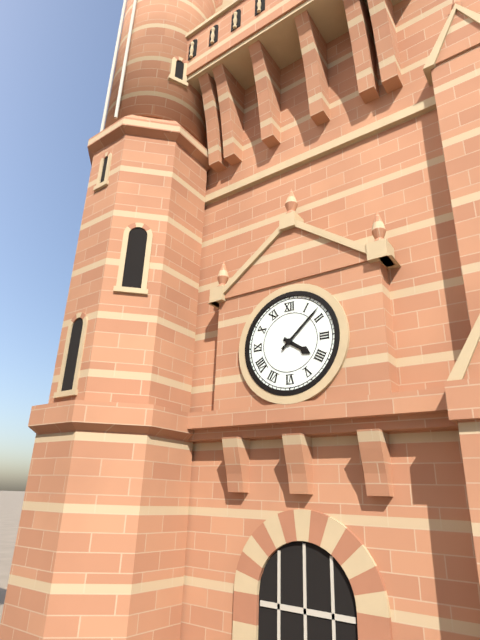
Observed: **4:08**
